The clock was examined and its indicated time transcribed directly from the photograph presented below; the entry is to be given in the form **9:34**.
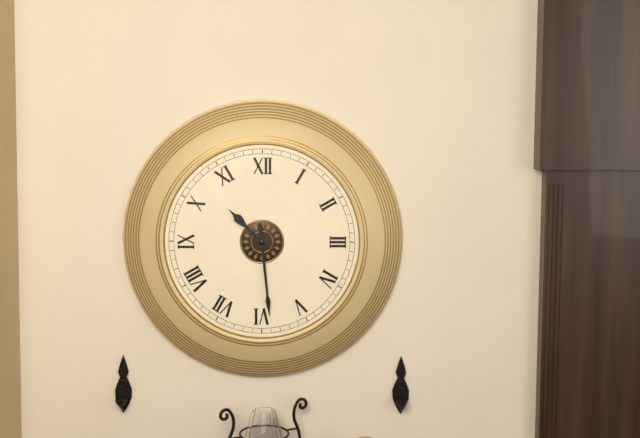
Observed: **10:29**
